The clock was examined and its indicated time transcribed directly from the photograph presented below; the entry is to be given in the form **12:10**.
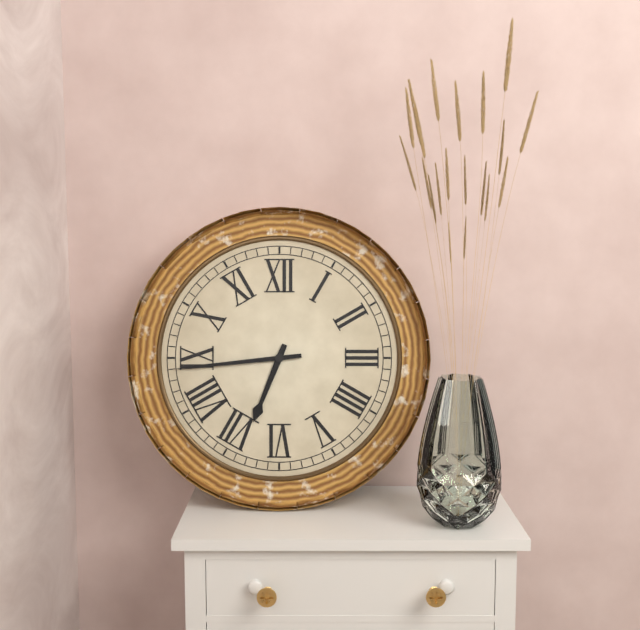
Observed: **6:44**
